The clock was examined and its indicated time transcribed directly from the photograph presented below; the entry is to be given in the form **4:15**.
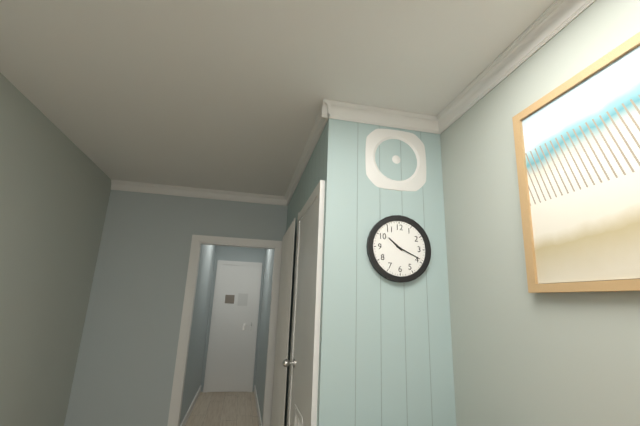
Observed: **10:19**
